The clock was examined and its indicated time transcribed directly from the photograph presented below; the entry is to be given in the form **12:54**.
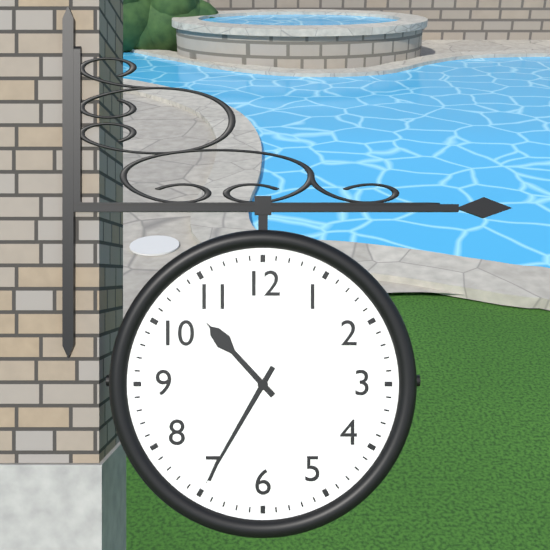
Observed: **10:35**
